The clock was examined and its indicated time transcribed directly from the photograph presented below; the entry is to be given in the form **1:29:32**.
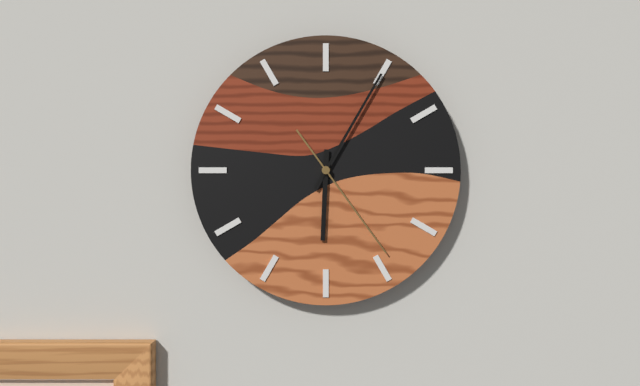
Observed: **6:05:24**
